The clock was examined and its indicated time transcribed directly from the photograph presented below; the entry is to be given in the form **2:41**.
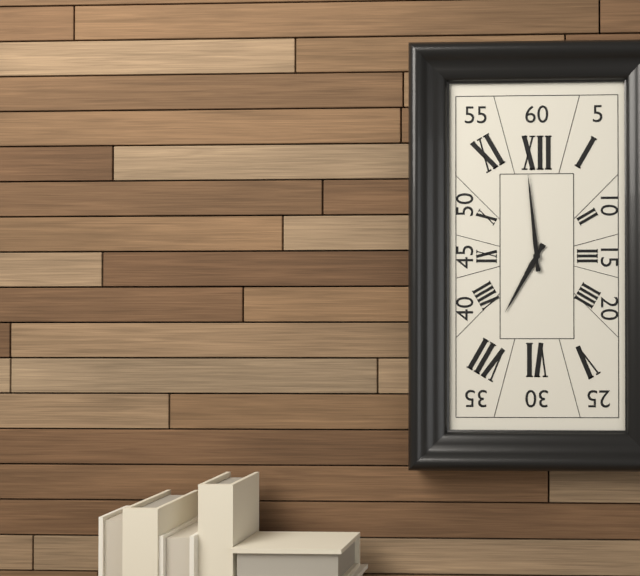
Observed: **6:59**
